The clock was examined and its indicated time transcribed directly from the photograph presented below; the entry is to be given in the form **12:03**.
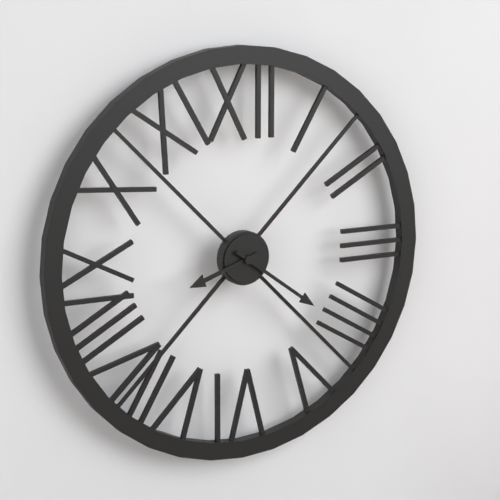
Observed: **8:21**
